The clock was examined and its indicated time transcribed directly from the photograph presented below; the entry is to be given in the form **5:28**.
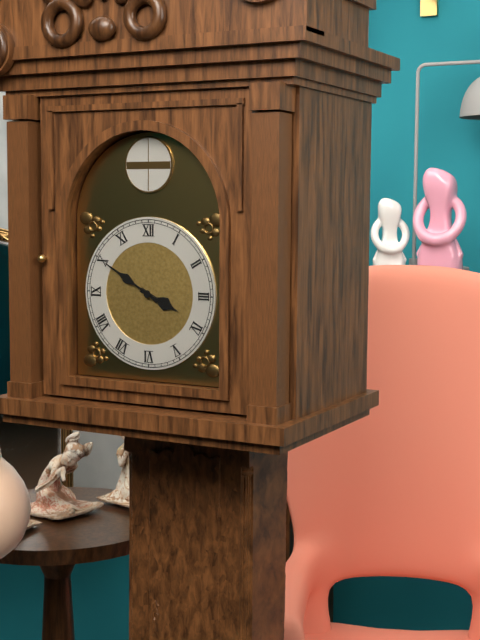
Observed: **3:50**
